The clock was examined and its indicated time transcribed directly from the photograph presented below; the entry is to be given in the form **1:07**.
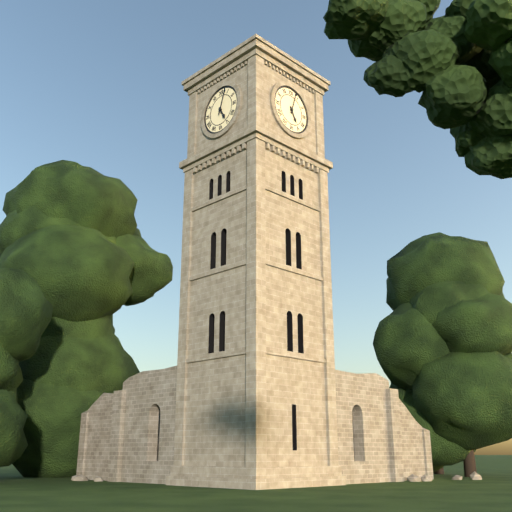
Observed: **5:03**
